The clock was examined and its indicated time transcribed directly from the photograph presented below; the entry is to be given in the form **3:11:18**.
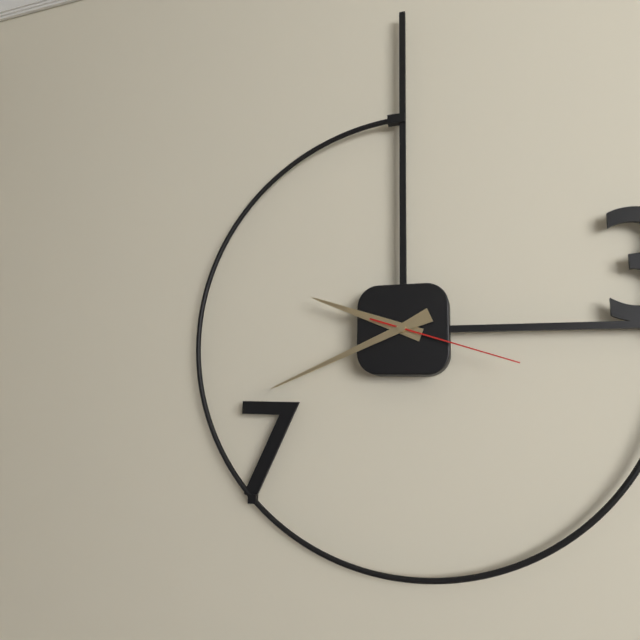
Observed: **9:41:18**
